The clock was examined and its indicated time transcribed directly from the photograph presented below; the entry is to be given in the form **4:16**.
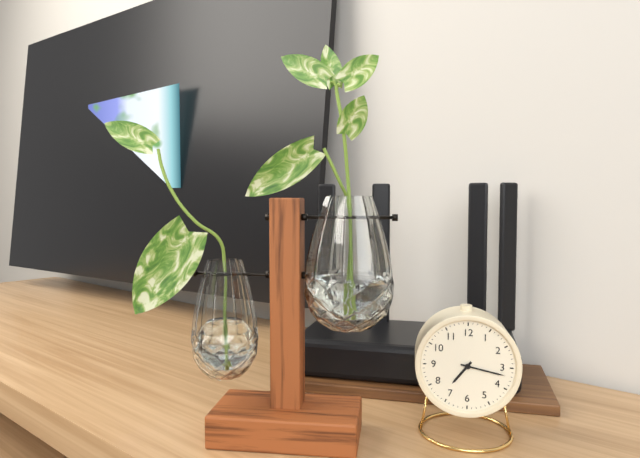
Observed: **7:17**
